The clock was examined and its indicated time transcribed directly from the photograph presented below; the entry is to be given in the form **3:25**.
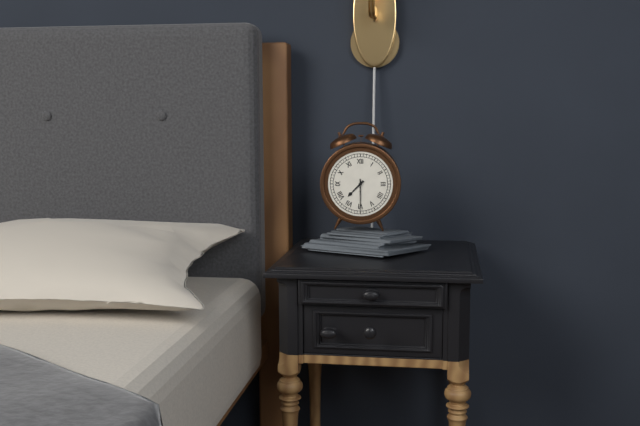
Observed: **7:30**
